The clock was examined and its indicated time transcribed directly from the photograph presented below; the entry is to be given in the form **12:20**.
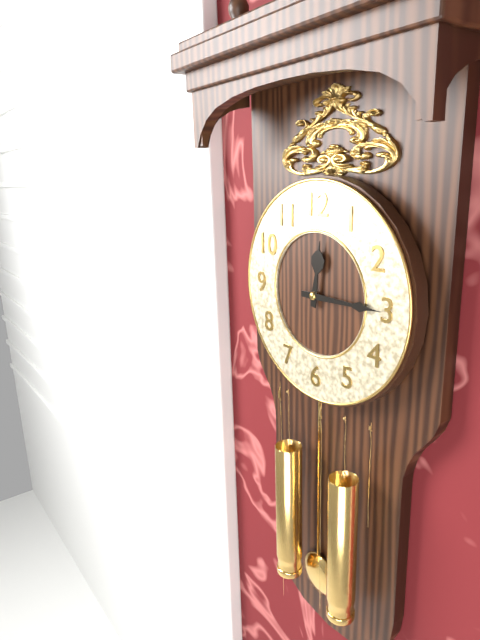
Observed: **12:15**
